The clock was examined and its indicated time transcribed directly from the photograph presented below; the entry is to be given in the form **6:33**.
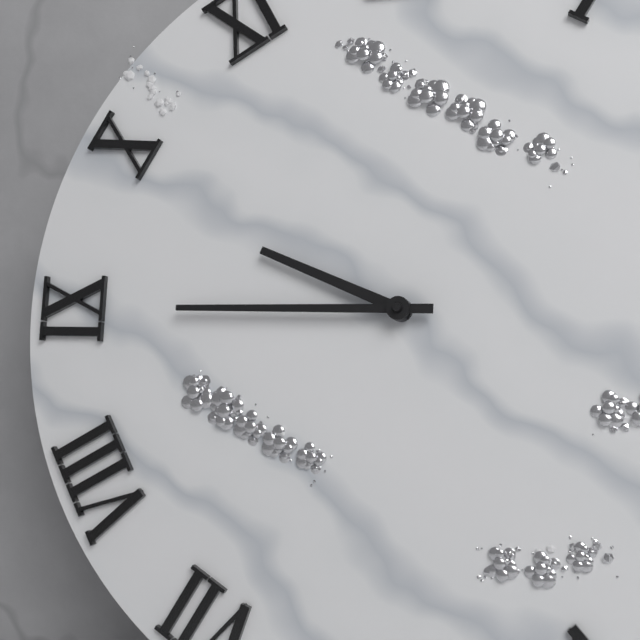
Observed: **9:45**
